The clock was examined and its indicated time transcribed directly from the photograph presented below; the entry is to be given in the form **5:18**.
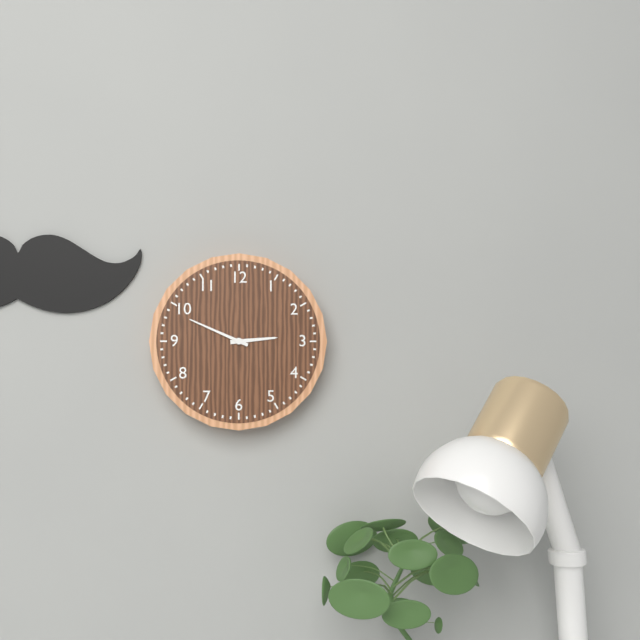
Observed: **2:49**
